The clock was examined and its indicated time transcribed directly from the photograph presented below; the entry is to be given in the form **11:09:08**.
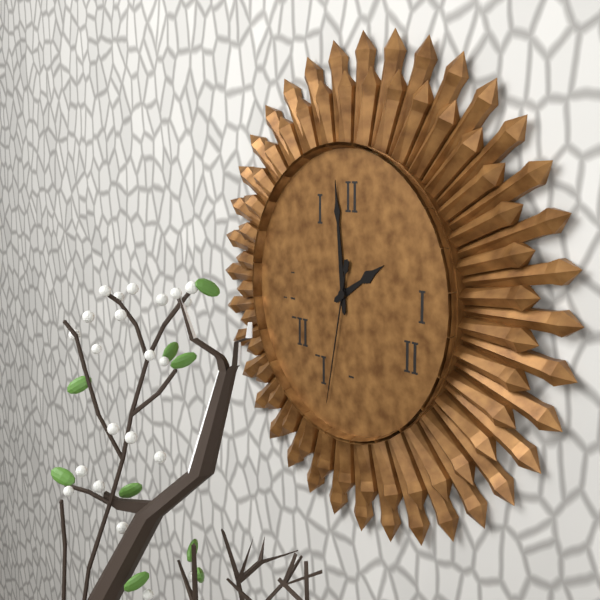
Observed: **1:59:32**
